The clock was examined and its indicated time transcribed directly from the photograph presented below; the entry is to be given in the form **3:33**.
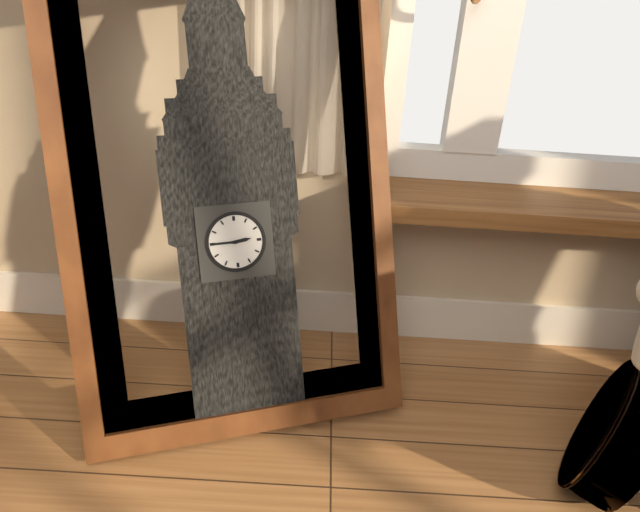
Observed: **2:45**
